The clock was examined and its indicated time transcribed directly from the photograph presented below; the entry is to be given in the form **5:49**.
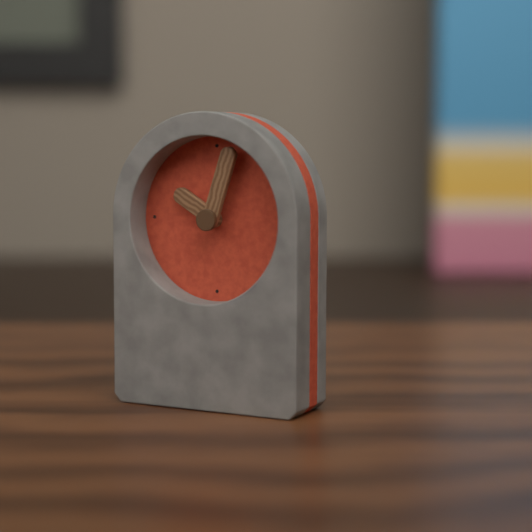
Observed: **10:03**
